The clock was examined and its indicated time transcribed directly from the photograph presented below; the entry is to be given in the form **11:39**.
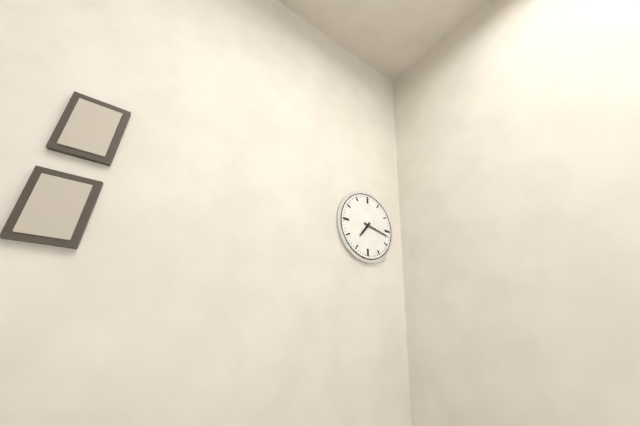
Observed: **7:17**
